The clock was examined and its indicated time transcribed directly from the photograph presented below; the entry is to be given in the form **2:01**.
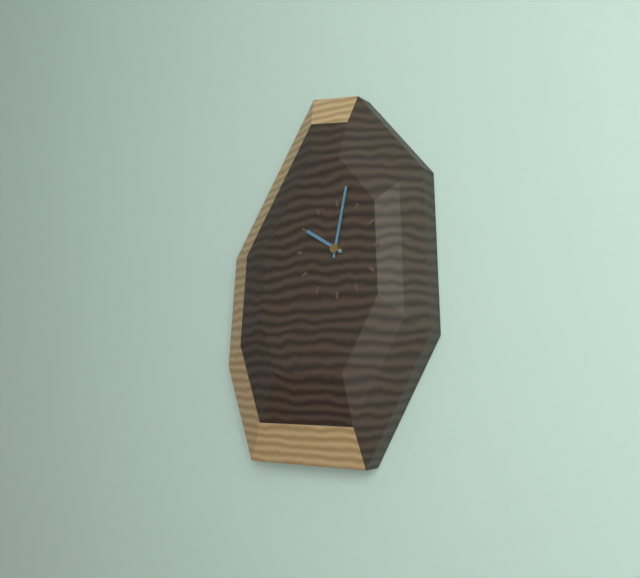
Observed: **10:02**
